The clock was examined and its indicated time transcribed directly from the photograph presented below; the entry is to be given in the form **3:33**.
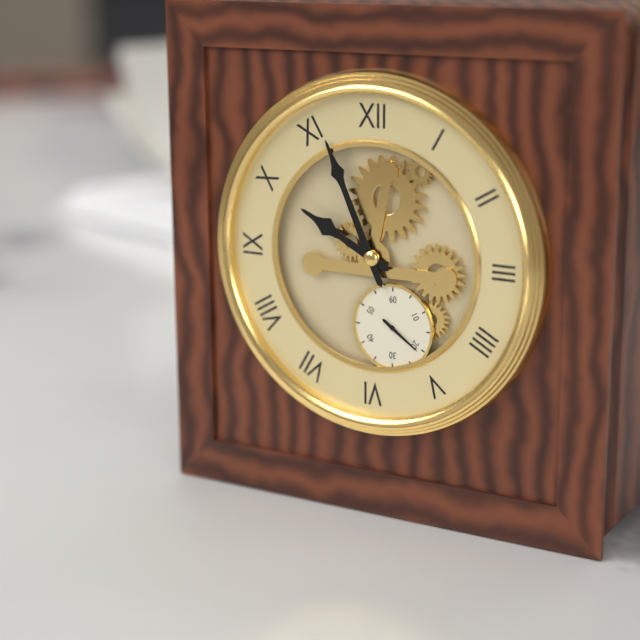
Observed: **9:56**
